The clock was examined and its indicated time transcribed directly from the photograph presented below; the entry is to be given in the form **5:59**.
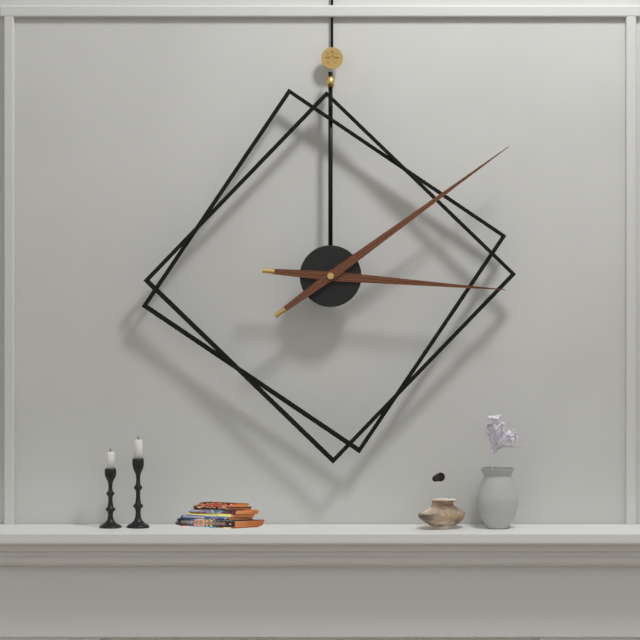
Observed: **3:09**
